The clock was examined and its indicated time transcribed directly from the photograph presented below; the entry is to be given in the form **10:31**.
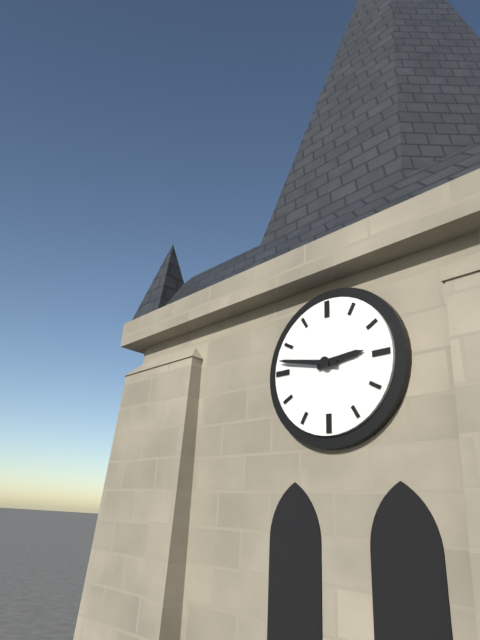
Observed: **2:47**
